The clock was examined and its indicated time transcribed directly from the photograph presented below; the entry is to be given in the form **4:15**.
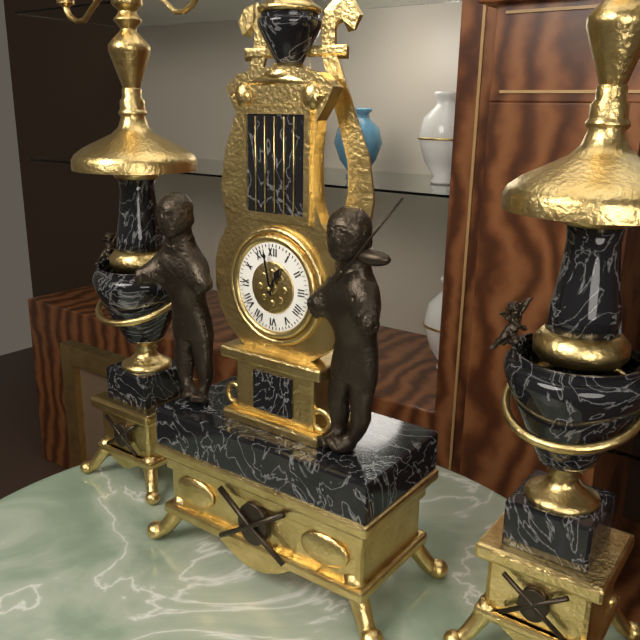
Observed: **12:58**
